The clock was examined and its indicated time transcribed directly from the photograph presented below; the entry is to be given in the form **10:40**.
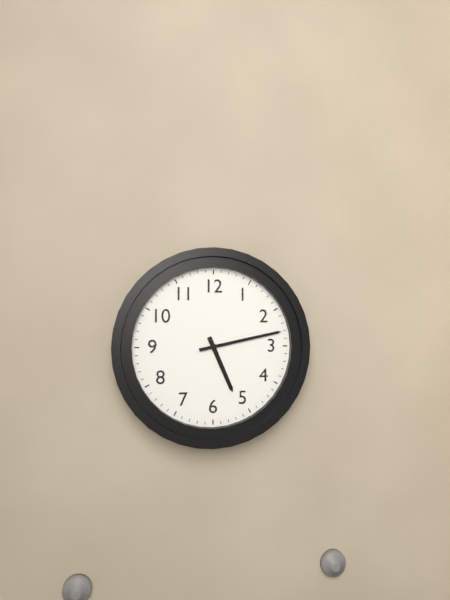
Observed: **5:13**
